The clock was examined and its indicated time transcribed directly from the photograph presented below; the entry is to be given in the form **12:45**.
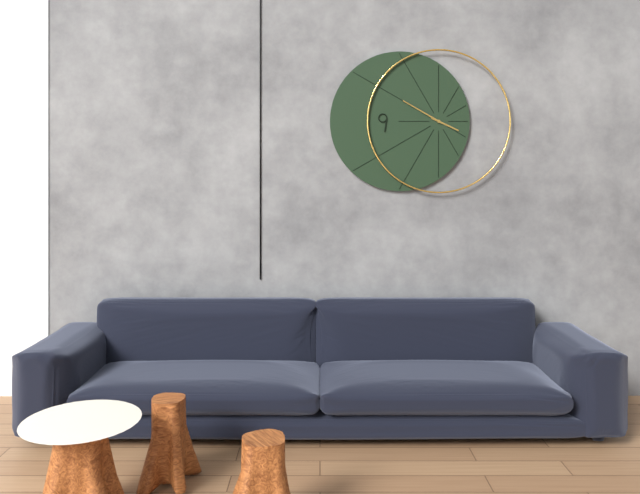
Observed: **3:50**
